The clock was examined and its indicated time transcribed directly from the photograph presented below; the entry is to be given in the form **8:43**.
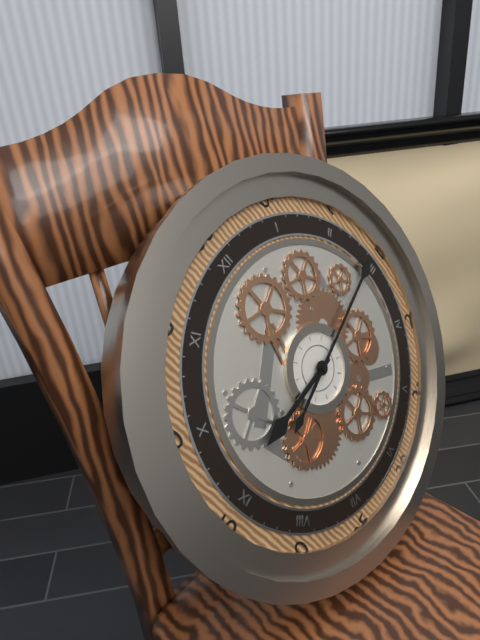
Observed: **9:14**
